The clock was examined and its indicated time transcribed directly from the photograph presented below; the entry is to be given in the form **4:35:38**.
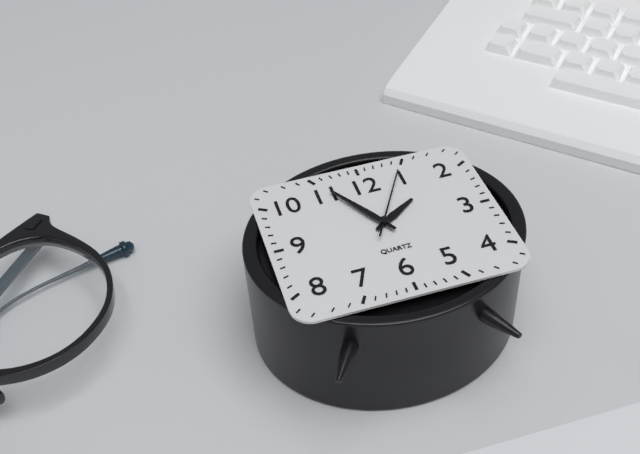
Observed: **1:55:05**
